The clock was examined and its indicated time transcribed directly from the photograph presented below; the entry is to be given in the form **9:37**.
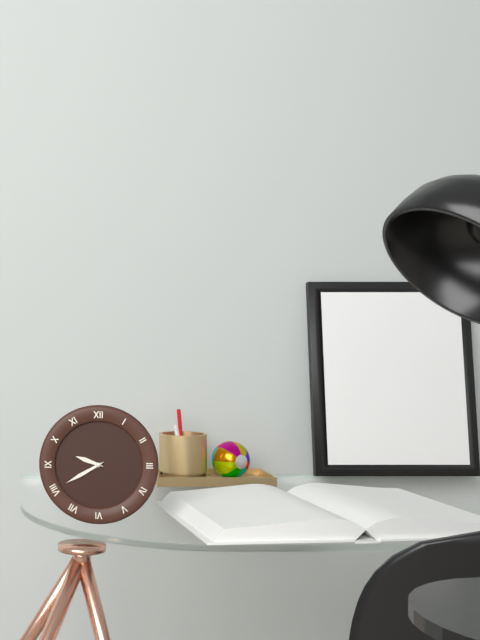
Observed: **9:40**
